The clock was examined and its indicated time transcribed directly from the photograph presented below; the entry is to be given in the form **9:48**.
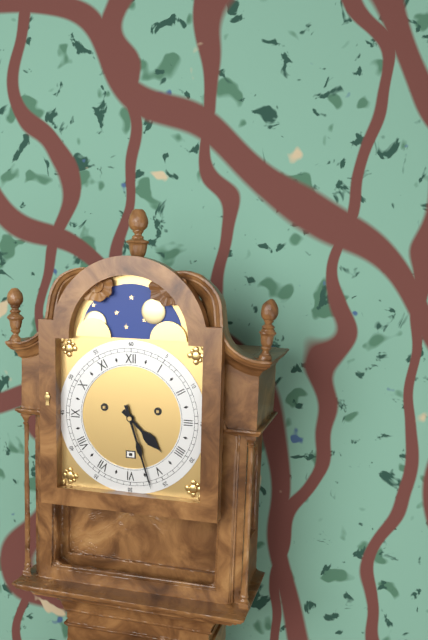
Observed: **4:27**
